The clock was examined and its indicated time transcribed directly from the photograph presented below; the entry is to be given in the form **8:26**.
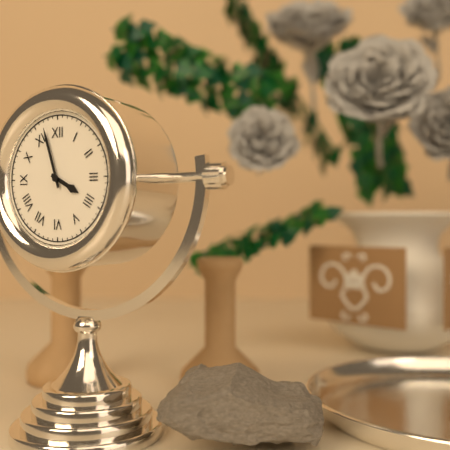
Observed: **3:57**
